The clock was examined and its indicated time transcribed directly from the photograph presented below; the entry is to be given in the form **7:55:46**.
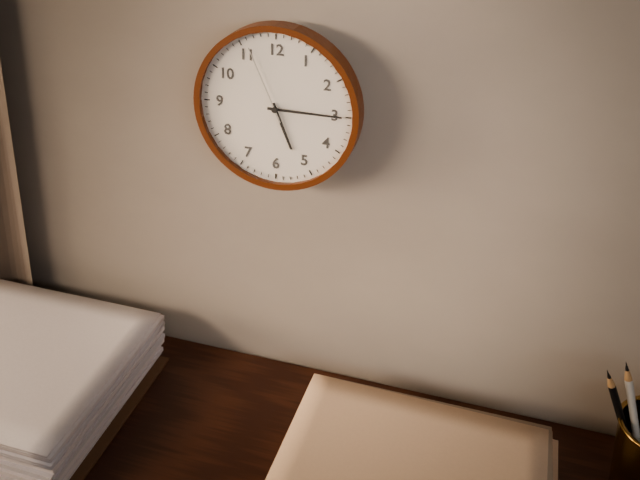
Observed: **5:15:56**
